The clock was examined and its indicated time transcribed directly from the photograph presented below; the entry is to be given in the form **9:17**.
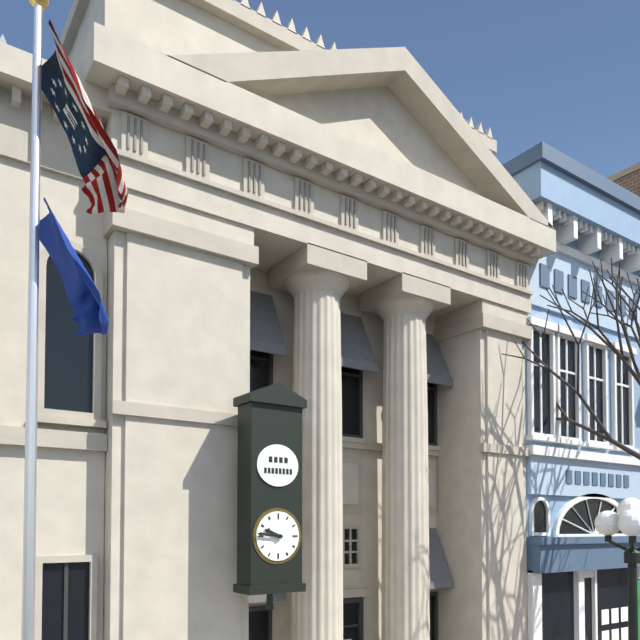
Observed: **9:46**
